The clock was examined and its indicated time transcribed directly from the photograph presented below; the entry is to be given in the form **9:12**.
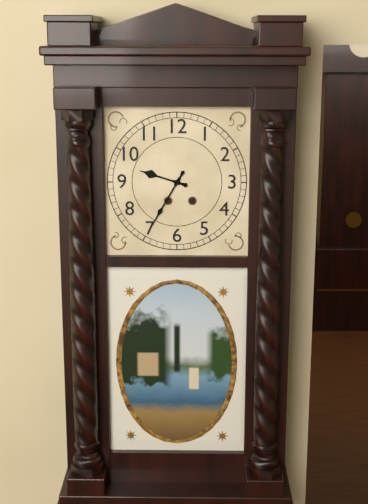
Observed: **9:35**
